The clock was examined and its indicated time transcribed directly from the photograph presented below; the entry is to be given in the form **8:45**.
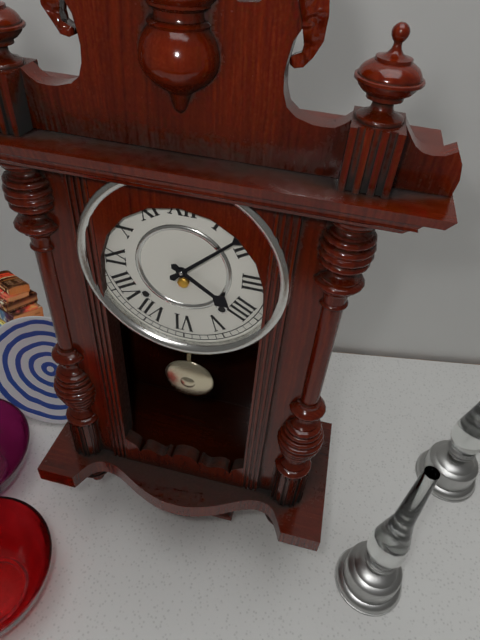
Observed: **4:08**
